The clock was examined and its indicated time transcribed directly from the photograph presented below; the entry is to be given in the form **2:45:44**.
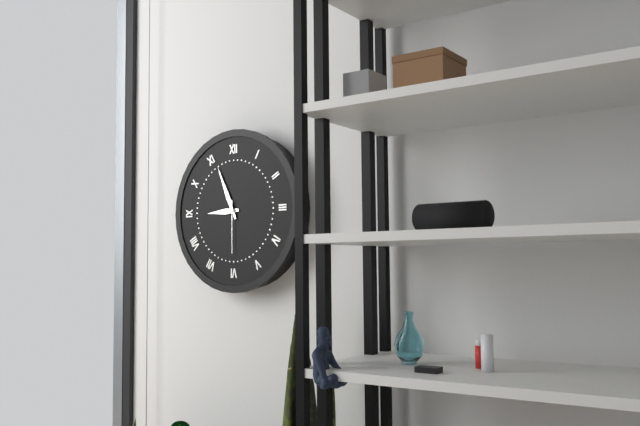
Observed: **8:56:30**
